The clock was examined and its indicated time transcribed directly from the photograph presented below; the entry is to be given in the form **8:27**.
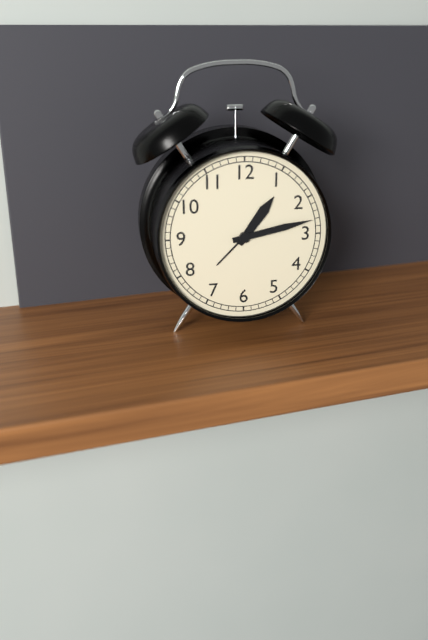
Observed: **1:13**
